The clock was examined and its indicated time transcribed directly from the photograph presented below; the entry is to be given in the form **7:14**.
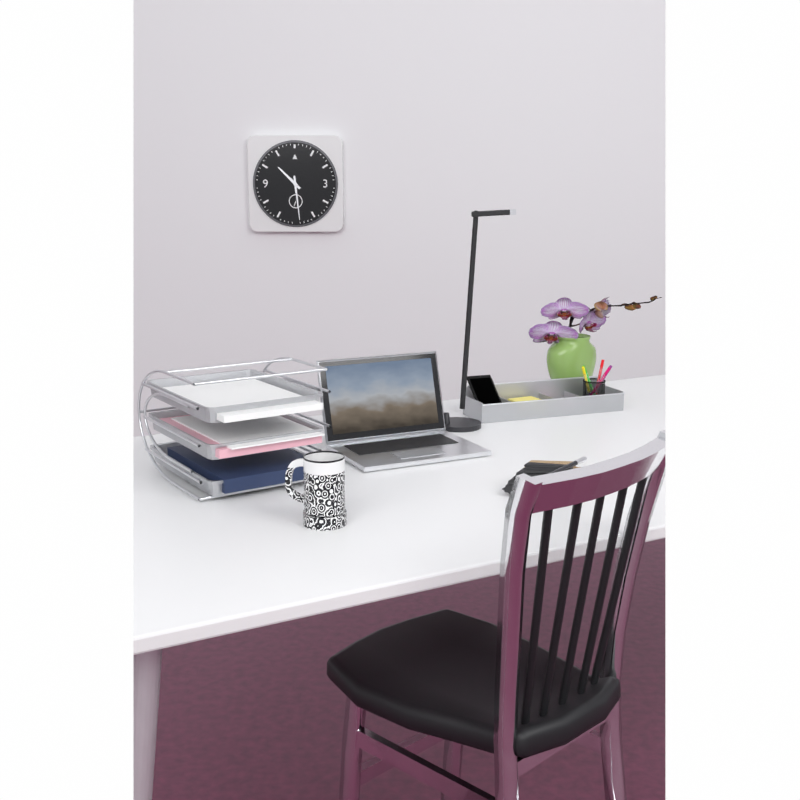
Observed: **10:29**
